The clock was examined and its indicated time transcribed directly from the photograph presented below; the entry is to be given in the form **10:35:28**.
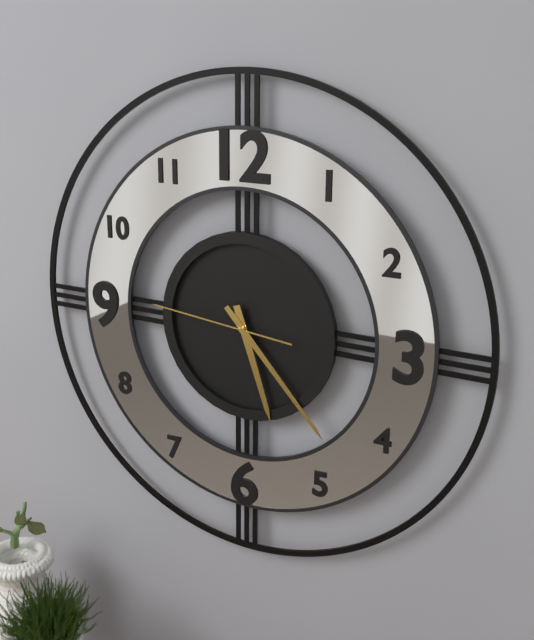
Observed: **5:23:46**
